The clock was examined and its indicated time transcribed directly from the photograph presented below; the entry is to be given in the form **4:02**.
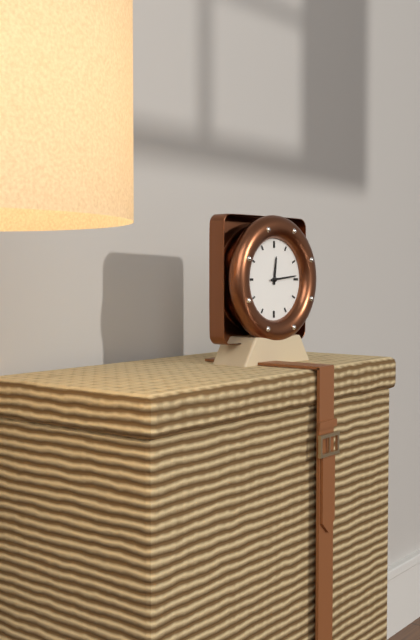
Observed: **12:14**
